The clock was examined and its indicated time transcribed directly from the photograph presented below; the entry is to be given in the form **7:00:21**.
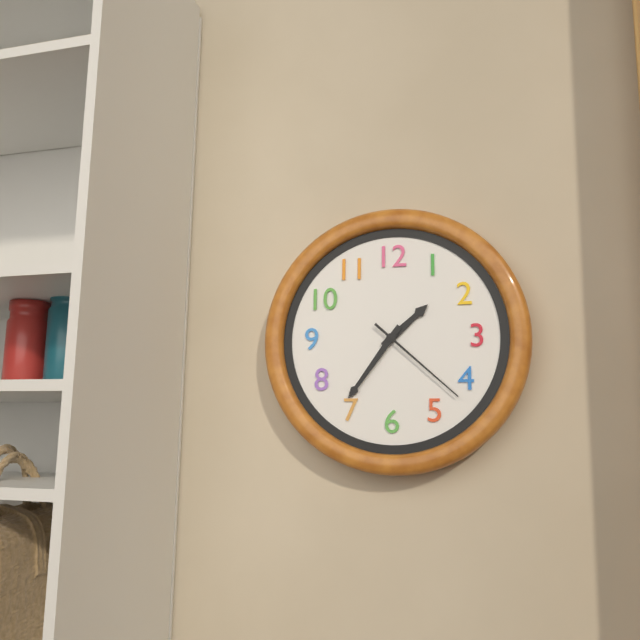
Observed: **1:36:22**
